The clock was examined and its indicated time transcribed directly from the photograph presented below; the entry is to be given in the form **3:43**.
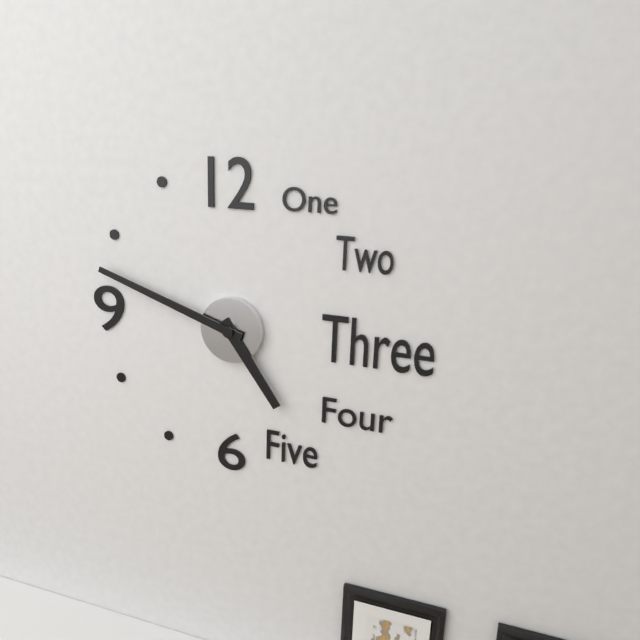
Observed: **4:48**
